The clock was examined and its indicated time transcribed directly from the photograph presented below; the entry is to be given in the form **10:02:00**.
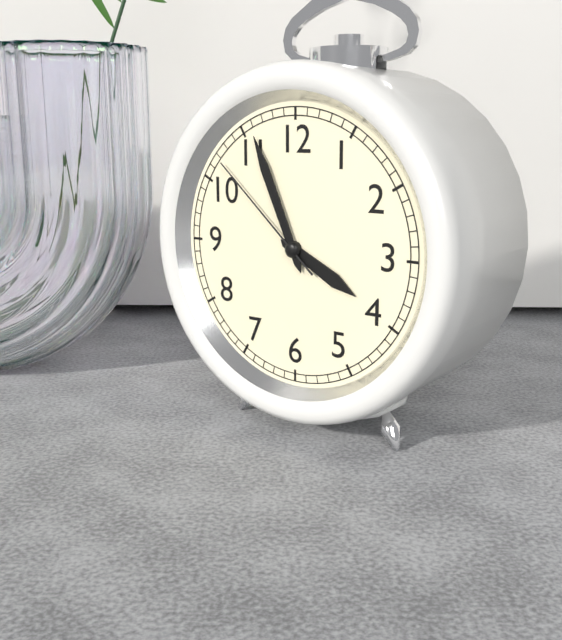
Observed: **3:56:52**
